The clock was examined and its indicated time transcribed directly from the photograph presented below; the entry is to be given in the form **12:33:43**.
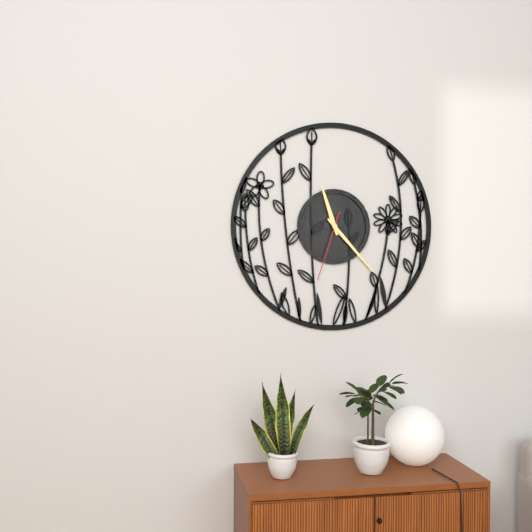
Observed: **11:23:33**
